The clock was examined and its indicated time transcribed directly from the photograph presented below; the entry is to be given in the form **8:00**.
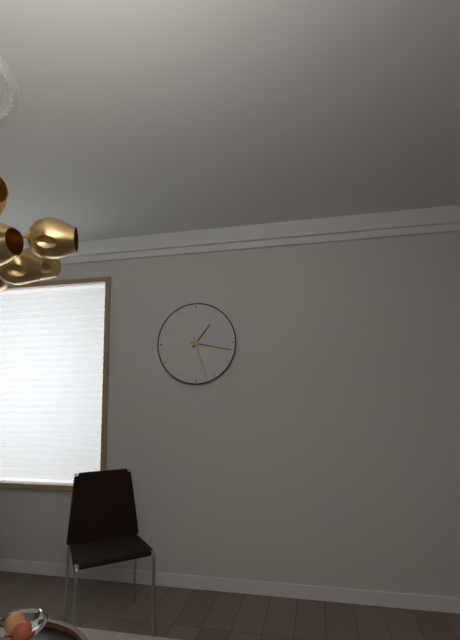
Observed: **1:17**
